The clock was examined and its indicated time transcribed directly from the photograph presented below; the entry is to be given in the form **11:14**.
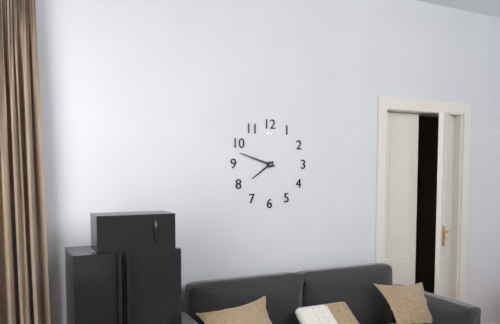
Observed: **7:48**
